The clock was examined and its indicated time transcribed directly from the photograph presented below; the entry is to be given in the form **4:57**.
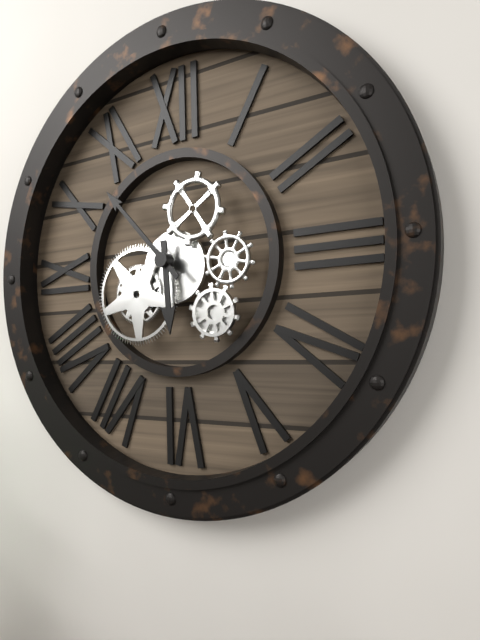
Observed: **5:53**
